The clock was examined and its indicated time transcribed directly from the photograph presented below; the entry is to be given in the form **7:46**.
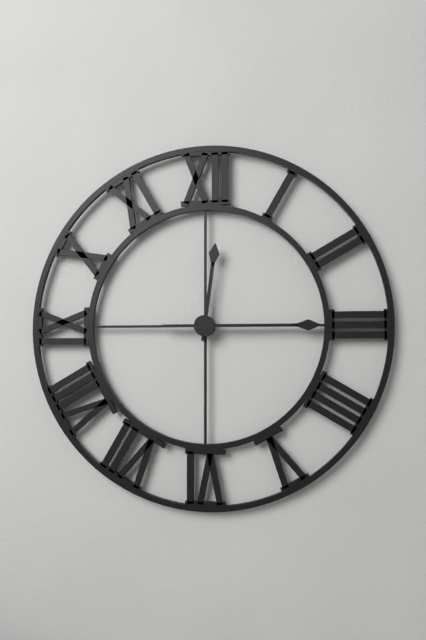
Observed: **12:15**
